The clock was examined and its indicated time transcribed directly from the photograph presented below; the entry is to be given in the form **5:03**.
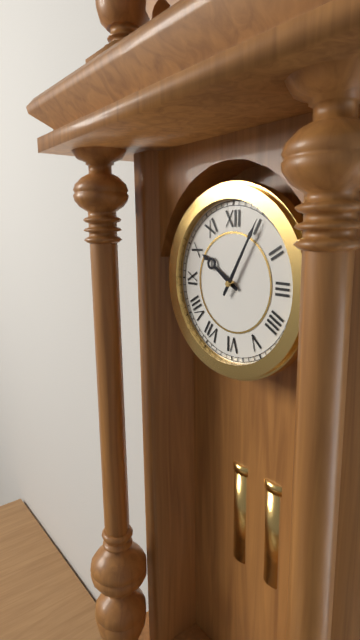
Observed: **10:05**
